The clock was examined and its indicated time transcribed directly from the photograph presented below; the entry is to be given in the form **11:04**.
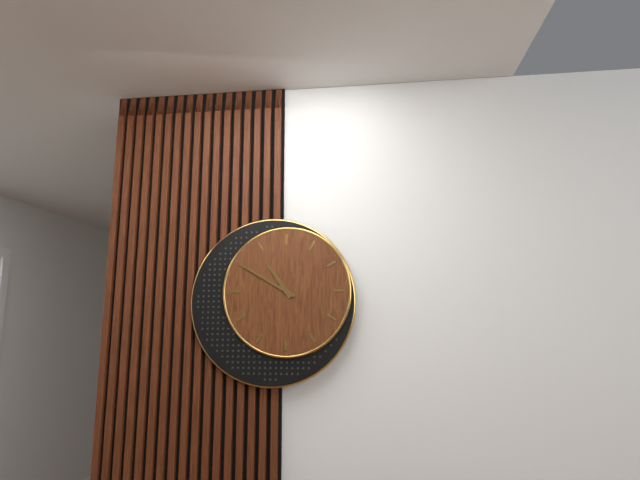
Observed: **10:50**
